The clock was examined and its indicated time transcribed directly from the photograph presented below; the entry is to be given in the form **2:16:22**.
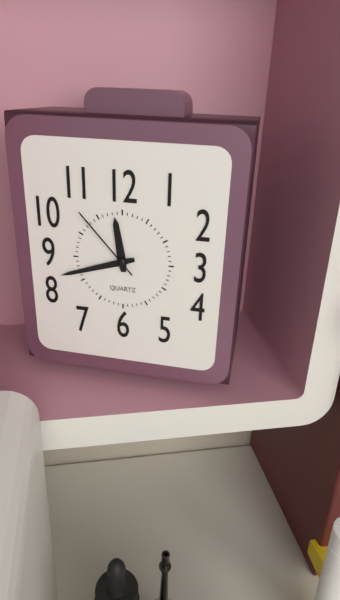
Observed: **11:42:53**
